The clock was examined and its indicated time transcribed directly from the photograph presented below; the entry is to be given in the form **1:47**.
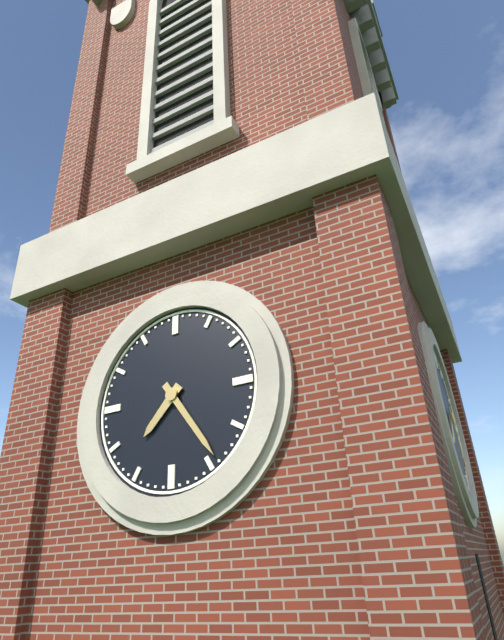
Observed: **7:24**
